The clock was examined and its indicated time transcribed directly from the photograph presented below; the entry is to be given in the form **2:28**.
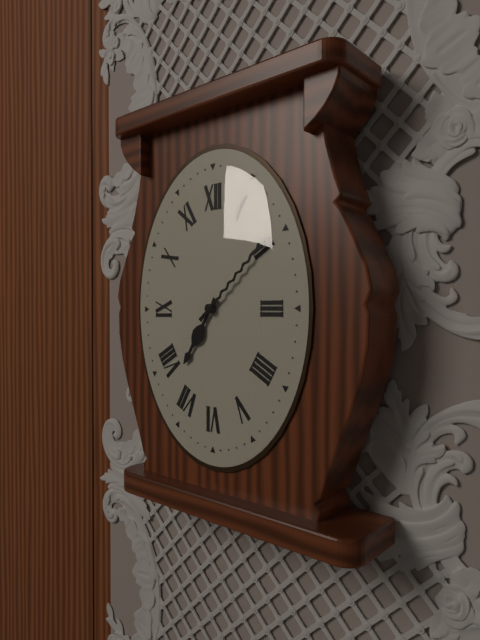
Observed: **7:08**
